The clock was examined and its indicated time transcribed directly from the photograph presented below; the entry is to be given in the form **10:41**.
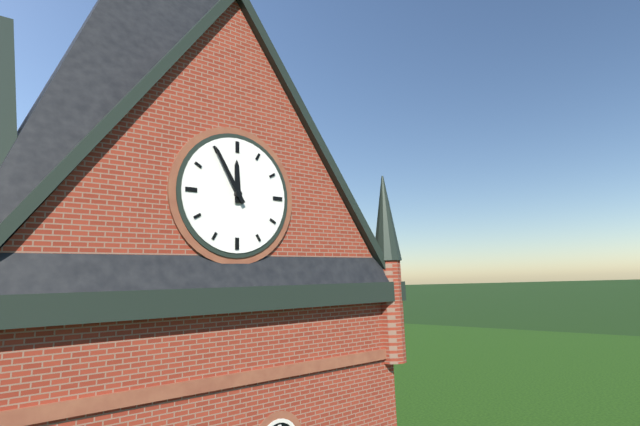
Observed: **11:55**
